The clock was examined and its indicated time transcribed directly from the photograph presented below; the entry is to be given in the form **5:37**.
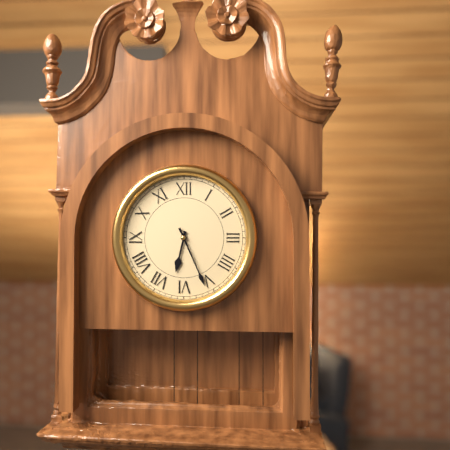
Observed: **6:26**
